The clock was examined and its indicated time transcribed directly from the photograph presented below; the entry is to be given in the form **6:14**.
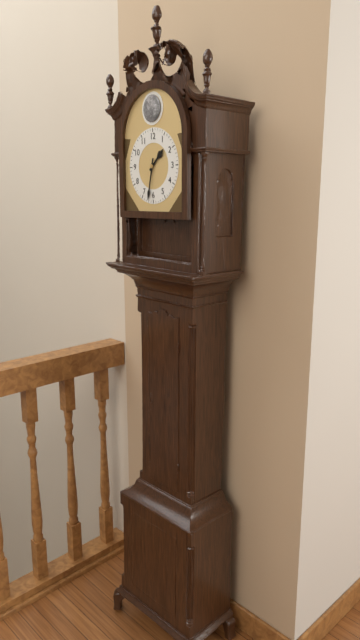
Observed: **1:32**
